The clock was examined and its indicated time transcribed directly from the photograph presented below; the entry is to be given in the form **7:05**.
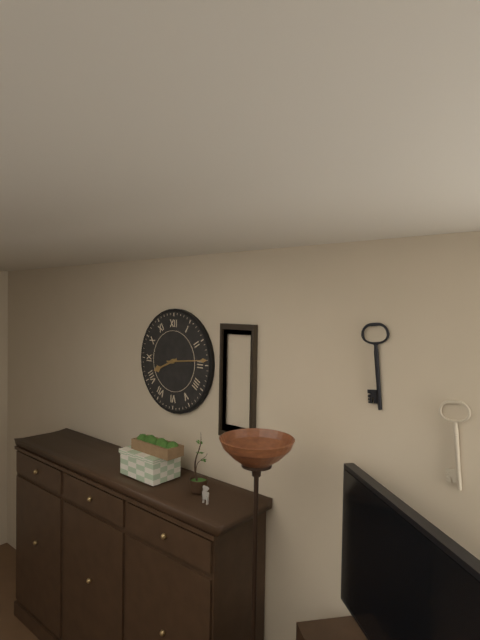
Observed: **8:14**
